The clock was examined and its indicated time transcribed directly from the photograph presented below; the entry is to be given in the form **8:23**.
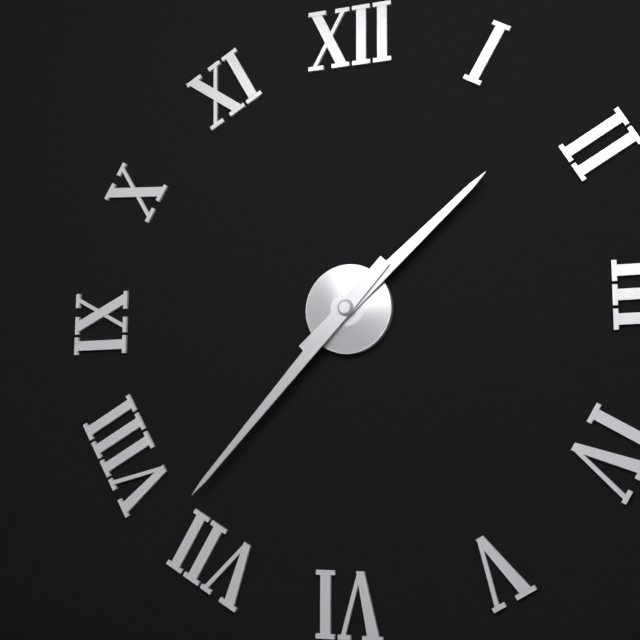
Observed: **1:37**
